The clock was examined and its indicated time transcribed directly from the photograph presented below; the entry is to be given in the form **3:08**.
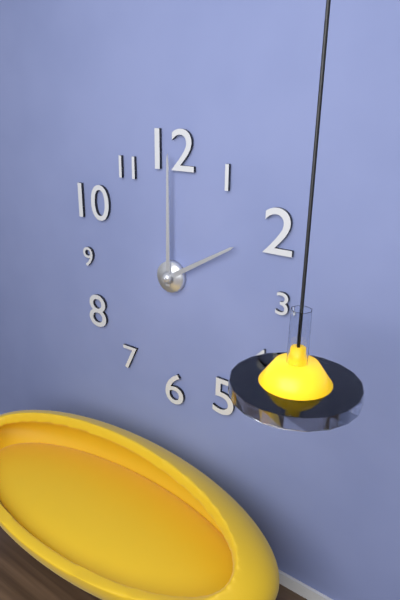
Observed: **2:00**
